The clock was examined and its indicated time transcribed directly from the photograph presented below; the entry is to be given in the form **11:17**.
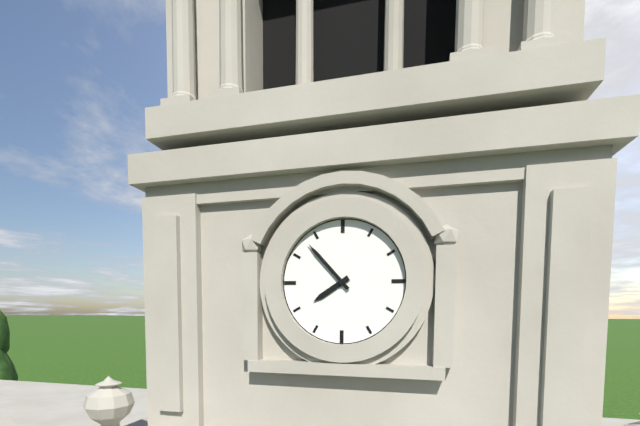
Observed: **7:53**
